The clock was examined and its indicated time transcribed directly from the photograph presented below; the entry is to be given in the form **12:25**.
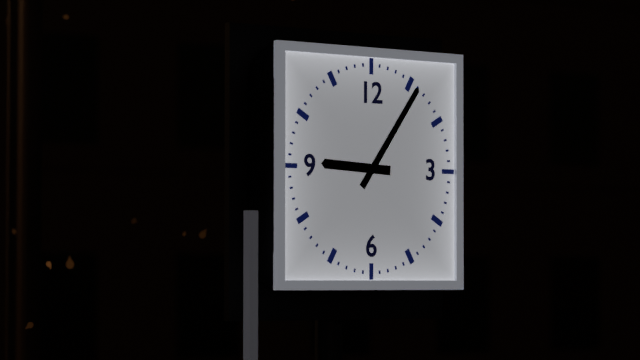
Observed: **9:06**
